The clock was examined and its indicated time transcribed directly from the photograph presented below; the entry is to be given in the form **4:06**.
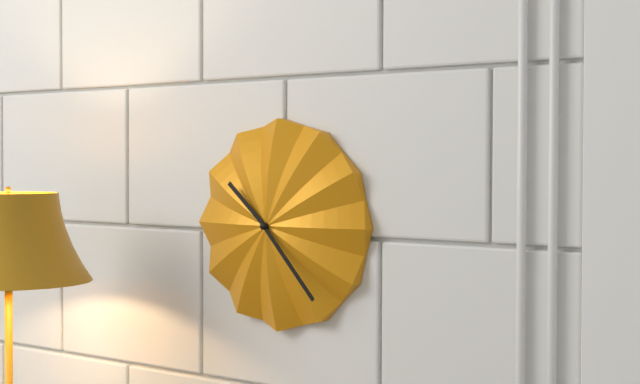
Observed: **10:23**
